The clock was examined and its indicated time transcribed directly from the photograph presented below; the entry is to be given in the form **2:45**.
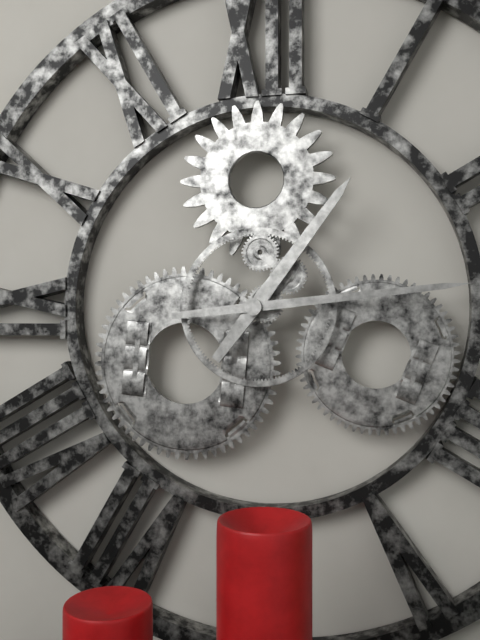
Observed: **1:14**
